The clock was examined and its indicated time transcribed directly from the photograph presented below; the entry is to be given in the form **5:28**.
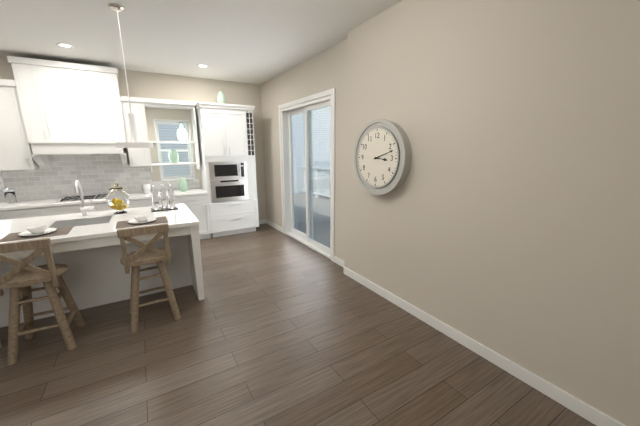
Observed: **3:12**
